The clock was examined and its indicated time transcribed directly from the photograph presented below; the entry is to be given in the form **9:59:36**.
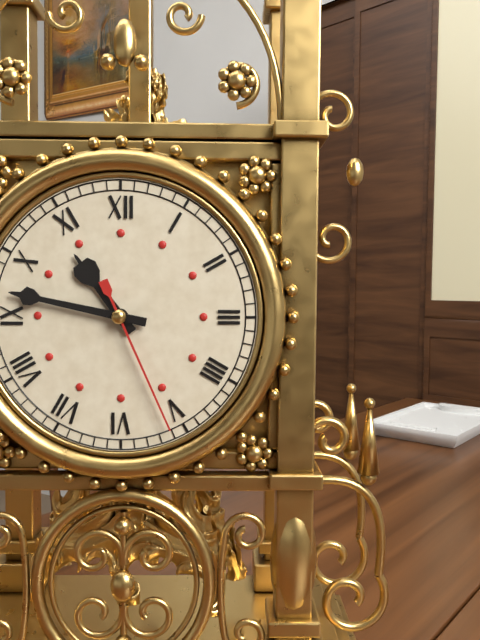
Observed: **10:47:26**
